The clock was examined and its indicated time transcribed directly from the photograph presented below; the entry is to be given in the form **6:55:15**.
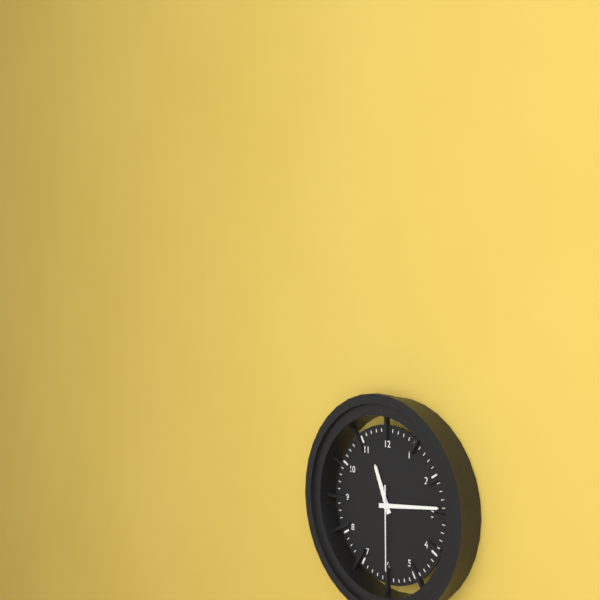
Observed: **11:14:30**
